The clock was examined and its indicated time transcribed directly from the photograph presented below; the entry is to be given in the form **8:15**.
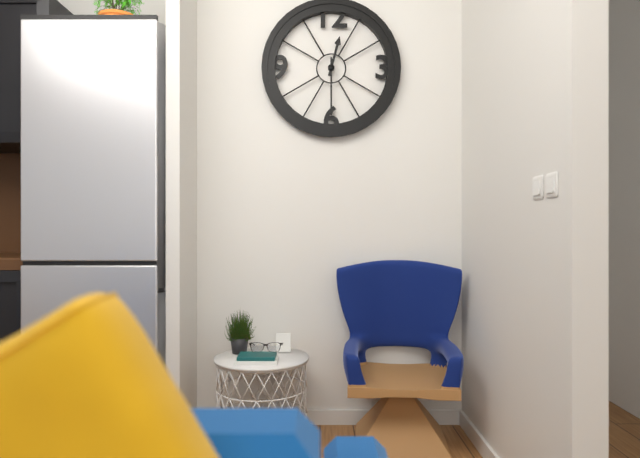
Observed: **12:30**
